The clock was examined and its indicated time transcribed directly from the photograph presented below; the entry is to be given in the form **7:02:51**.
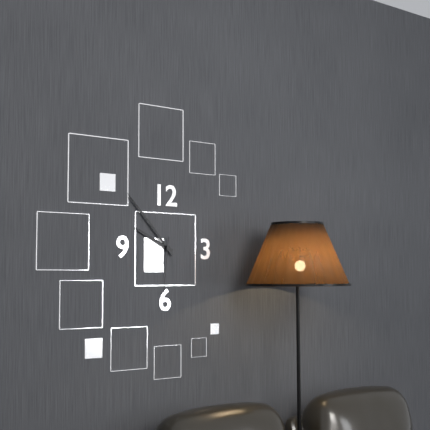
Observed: **9:53:31**
